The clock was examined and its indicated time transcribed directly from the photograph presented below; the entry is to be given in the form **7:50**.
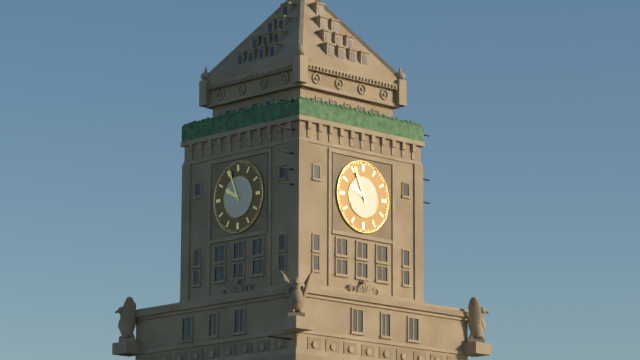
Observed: **9:56**
